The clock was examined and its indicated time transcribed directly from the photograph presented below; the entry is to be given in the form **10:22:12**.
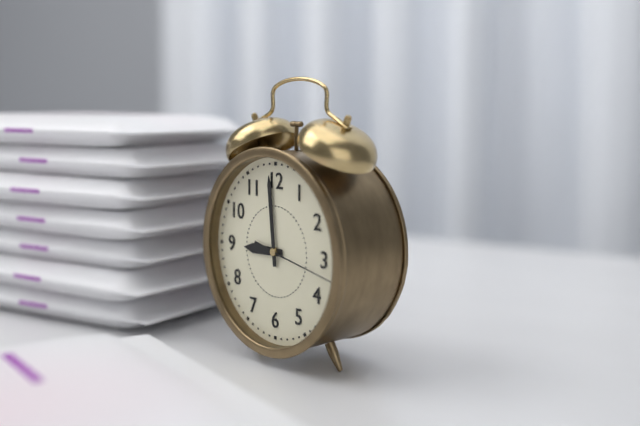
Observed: **8:59:17**
